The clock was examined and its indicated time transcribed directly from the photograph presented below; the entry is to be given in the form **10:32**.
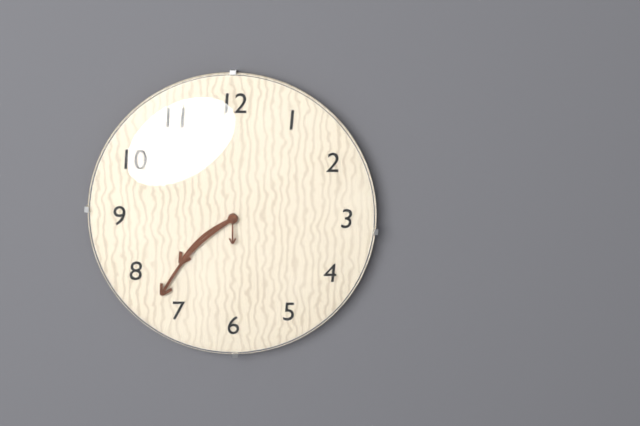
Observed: **7:37**
